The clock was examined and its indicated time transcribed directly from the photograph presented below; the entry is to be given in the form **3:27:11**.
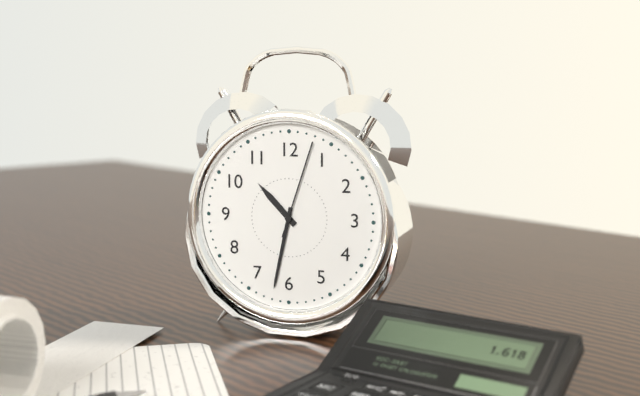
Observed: **10:32:03**
